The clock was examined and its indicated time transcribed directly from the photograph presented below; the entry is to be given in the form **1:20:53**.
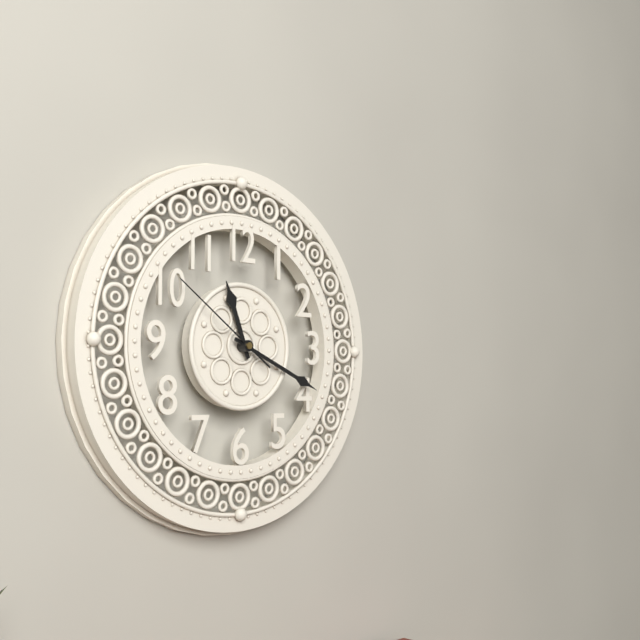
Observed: **11:19:51**
